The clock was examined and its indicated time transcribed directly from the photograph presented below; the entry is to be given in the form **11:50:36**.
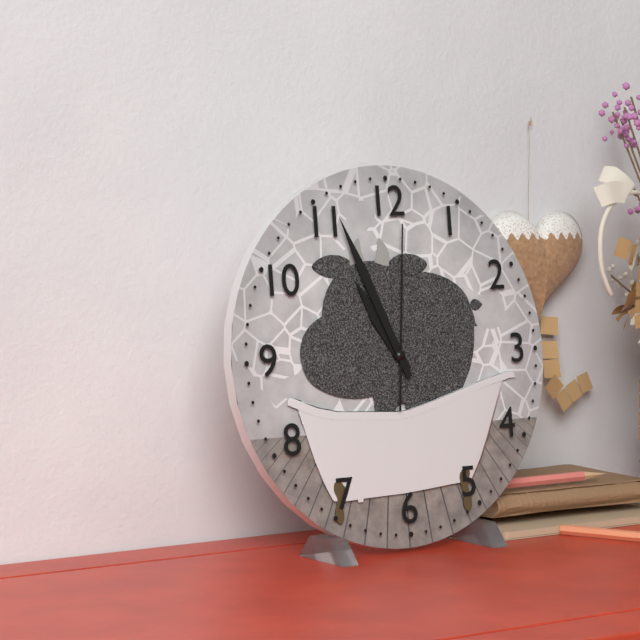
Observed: **10:56:01**
